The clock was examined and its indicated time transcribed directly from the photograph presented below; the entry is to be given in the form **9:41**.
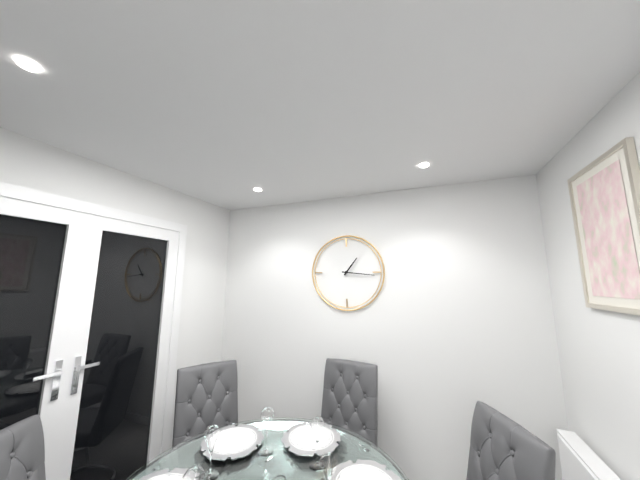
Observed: **1:16**
